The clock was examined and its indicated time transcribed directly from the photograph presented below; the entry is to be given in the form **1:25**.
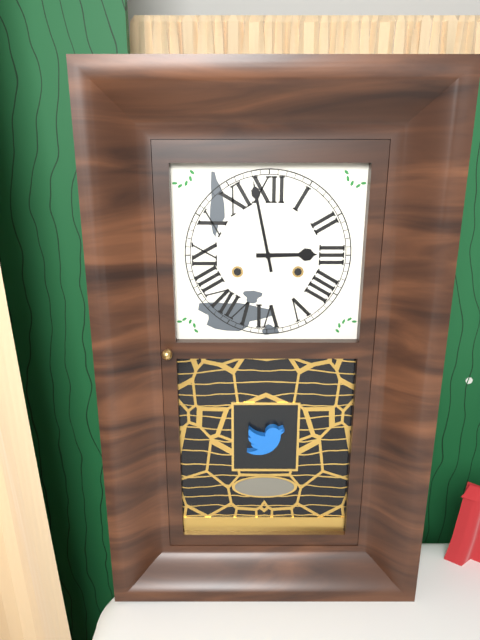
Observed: **2:58**
